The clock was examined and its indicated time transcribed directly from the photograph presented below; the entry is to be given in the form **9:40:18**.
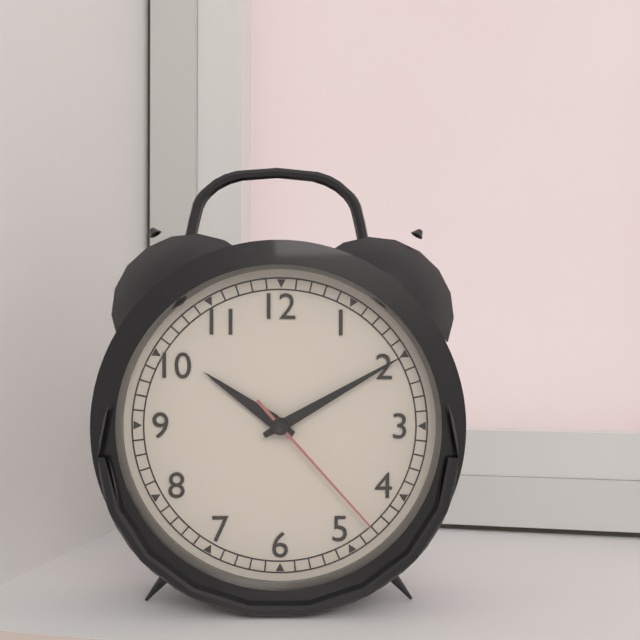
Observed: **10:10:23**
